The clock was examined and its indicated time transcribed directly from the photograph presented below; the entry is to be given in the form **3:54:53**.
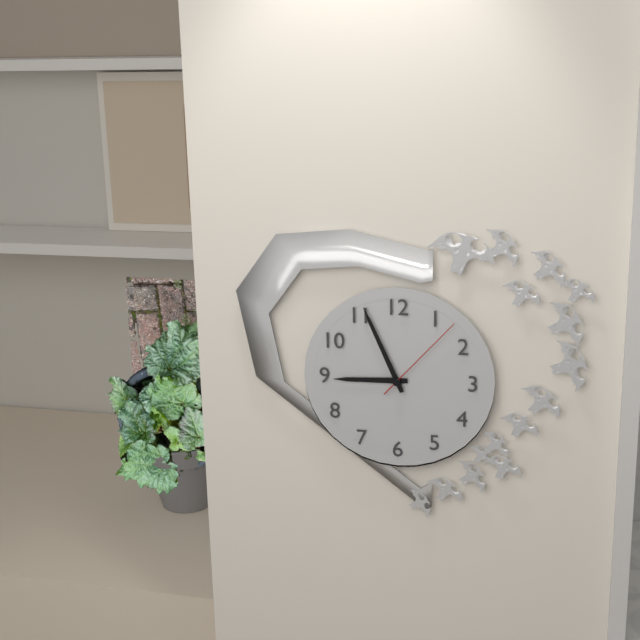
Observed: **8:56:07**
